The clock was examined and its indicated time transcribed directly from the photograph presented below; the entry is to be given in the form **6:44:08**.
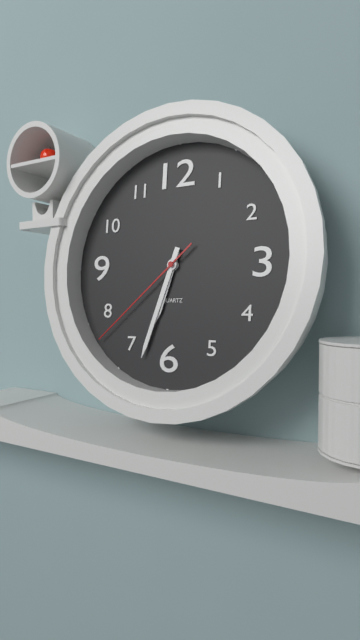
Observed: **6:33:38**
